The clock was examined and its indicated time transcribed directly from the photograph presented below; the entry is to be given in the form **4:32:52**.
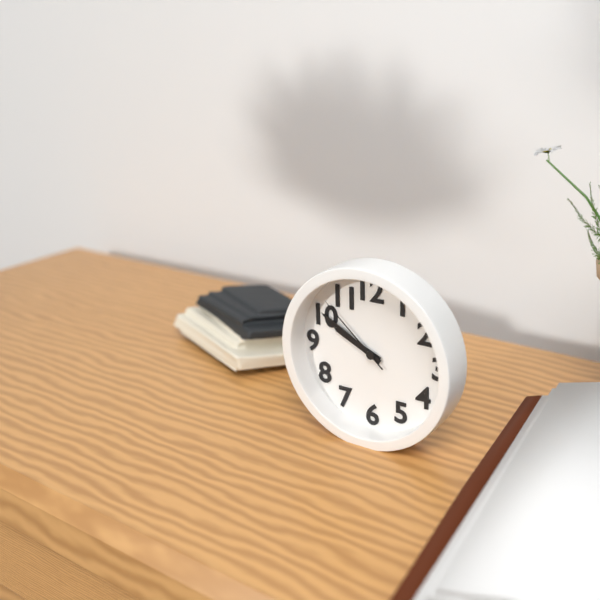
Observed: **9:50:52**
